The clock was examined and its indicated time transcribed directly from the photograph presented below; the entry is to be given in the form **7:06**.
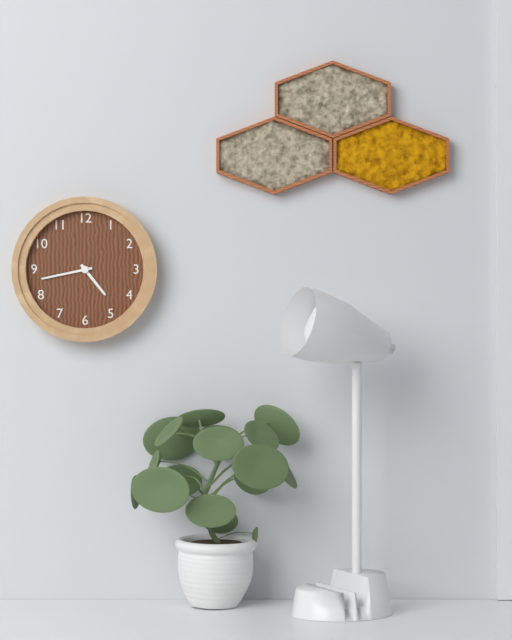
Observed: **4:43**
